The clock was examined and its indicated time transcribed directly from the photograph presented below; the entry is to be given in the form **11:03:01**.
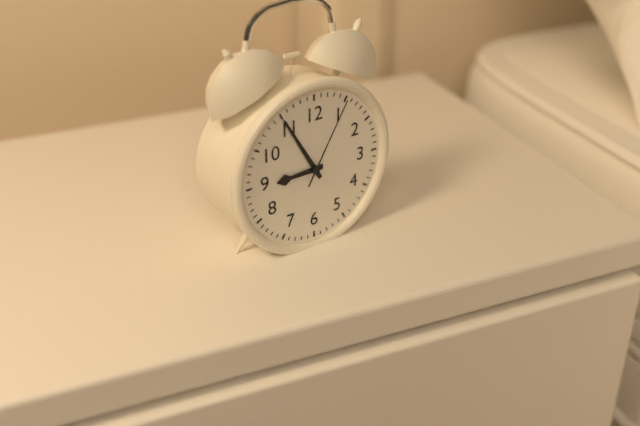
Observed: **8:55:05**
